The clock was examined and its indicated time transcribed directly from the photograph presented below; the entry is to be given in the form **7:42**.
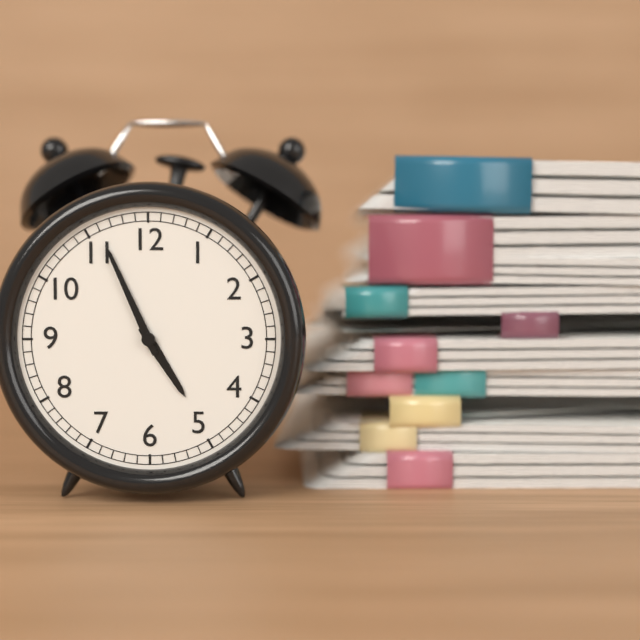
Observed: **4:56**
